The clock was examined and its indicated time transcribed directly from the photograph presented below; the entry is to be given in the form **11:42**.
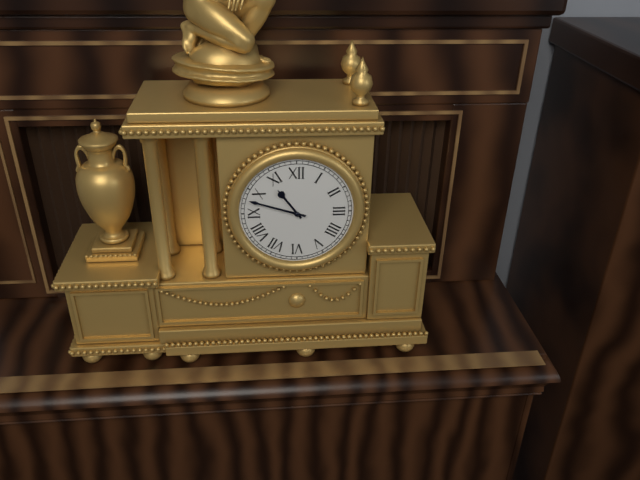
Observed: **10:48**
